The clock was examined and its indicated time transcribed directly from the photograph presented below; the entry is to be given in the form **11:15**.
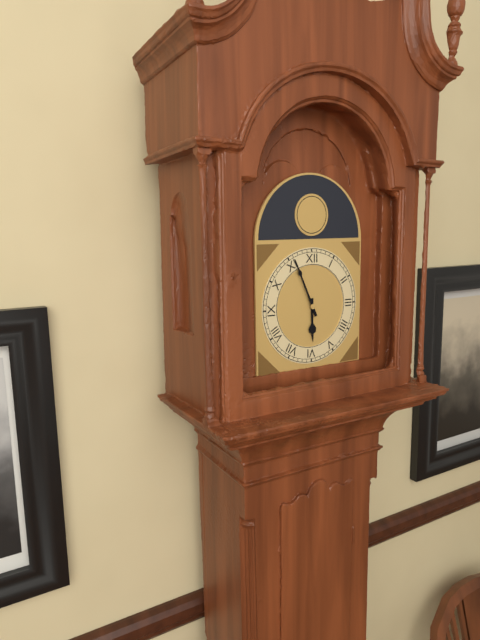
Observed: **5:56**
